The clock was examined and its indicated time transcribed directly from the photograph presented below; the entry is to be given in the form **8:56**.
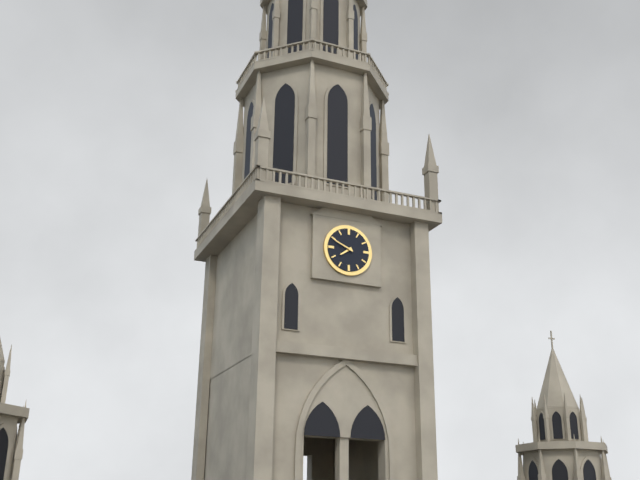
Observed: **7:49**
